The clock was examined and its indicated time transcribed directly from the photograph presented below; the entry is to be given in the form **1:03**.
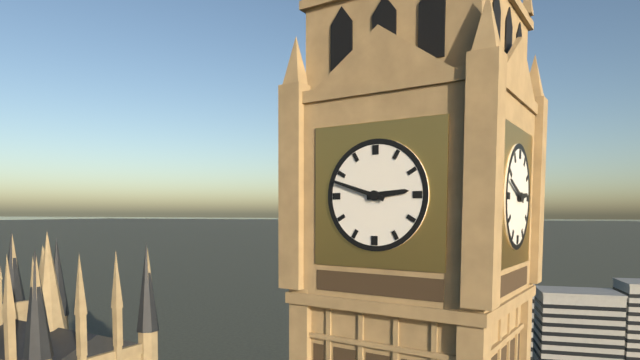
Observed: **2:48**
